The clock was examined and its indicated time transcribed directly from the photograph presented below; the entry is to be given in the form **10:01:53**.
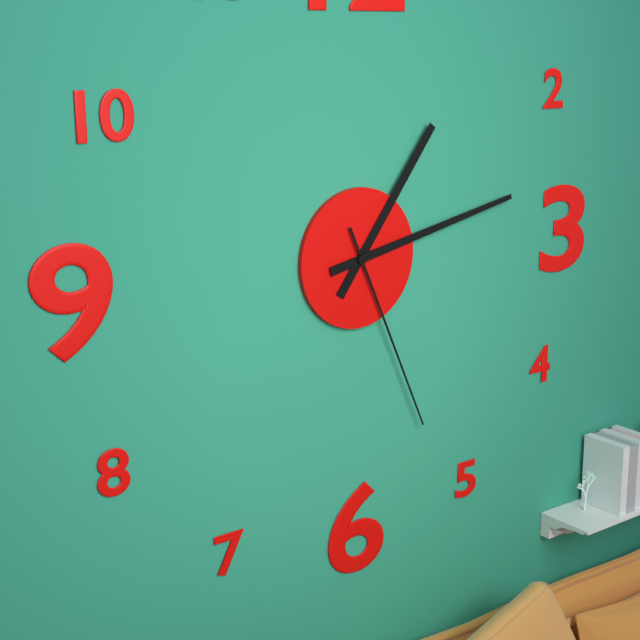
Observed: **1:13:26**
